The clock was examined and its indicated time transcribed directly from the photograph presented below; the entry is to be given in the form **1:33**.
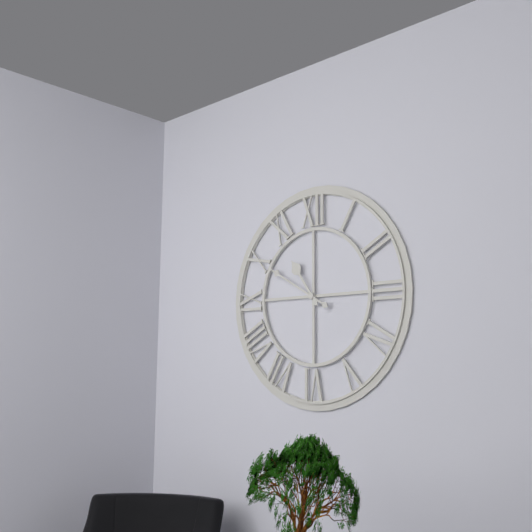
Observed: **10:50**
